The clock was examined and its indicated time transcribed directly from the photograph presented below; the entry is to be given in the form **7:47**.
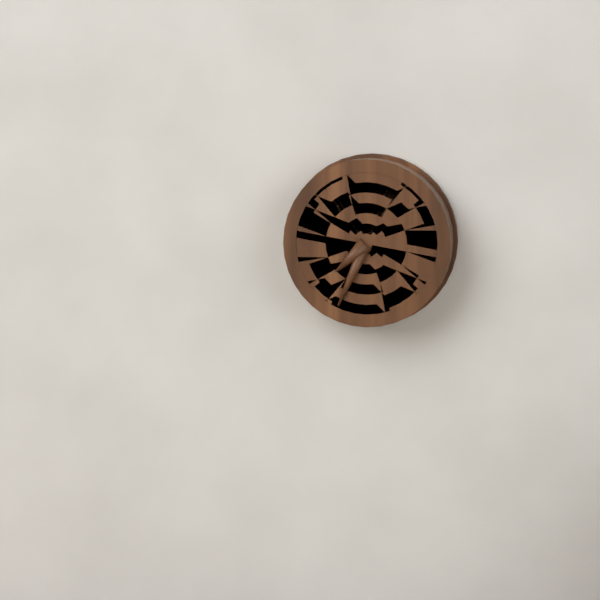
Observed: **7:34**
